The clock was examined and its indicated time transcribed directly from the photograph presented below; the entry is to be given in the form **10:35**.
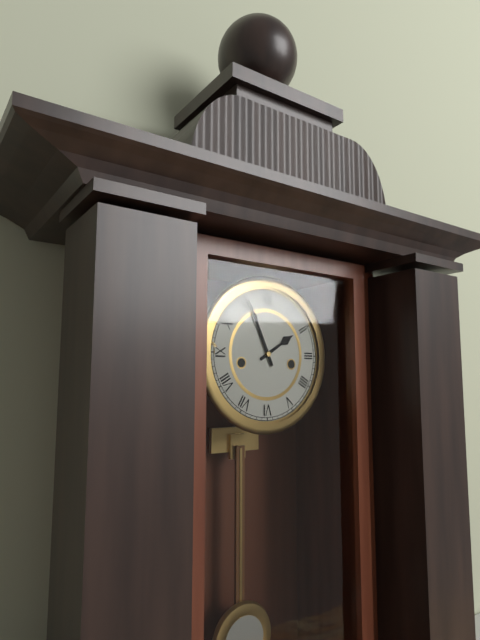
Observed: **1:56**
